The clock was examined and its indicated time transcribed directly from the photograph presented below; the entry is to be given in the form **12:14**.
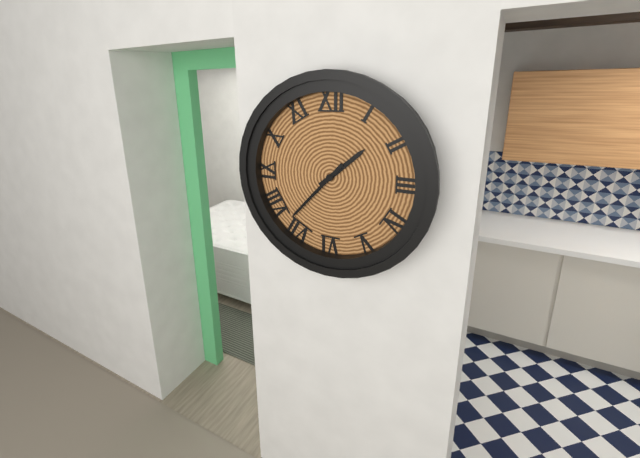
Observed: **1:37**
